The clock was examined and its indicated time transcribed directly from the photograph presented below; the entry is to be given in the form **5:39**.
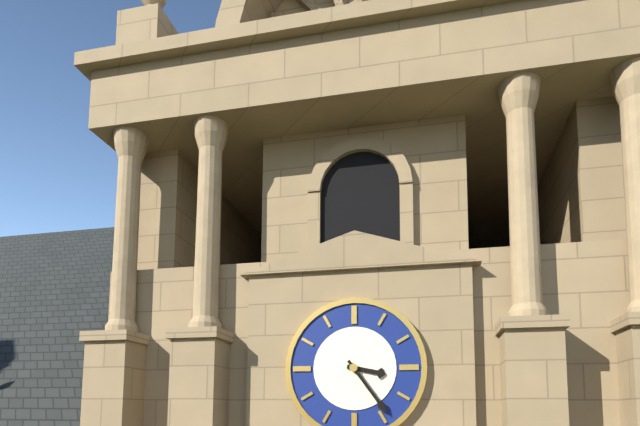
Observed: **3:24**
